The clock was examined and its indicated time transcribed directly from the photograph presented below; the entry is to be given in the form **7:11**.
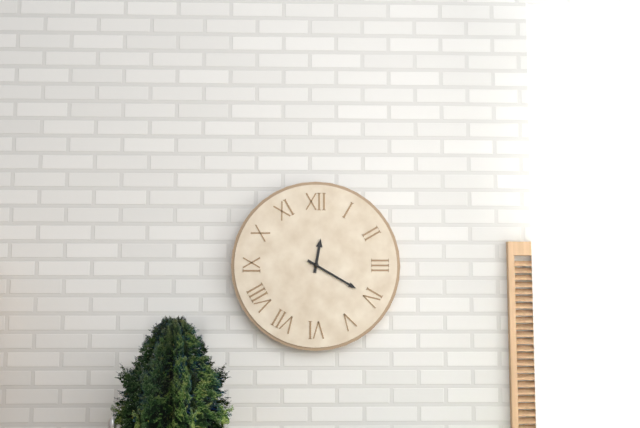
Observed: **12:20**
